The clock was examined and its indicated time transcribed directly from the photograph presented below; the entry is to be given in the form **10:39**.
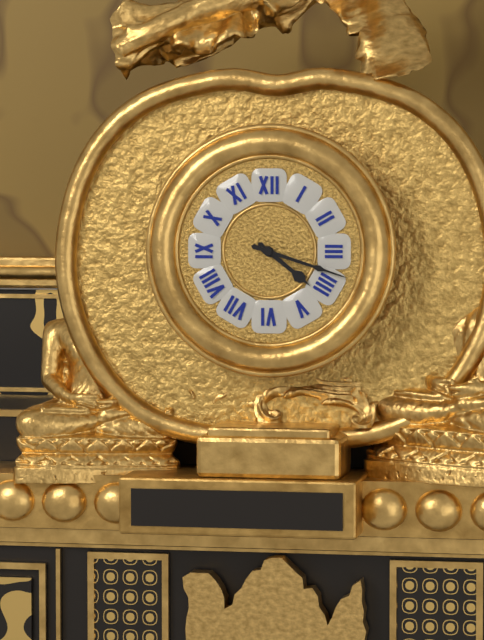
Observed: **4:18**
